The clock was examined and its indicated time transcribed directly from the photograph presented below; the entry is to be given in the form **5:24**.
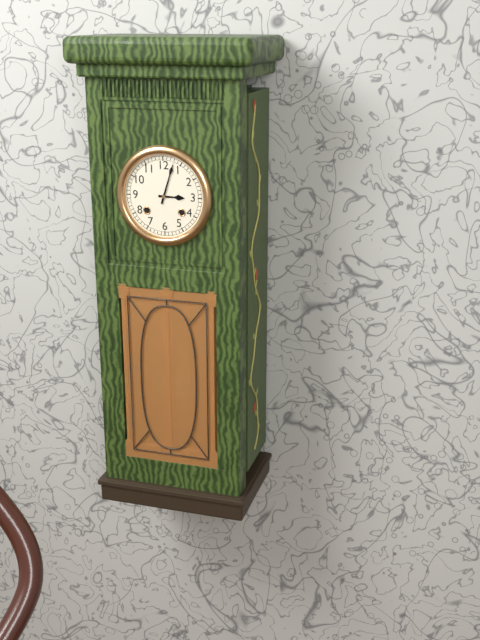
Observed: **3:03**
